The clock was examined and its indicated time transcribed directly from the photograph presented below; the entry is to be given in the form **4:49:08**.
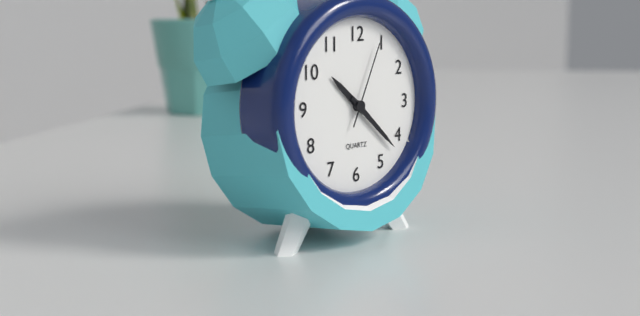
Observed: **10:22:04**
